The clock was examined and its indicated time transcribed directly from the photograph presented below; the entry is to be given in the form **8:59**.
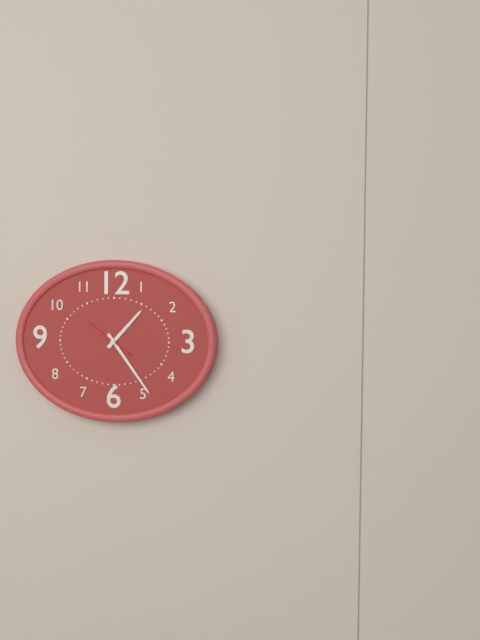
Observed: **1:24**
